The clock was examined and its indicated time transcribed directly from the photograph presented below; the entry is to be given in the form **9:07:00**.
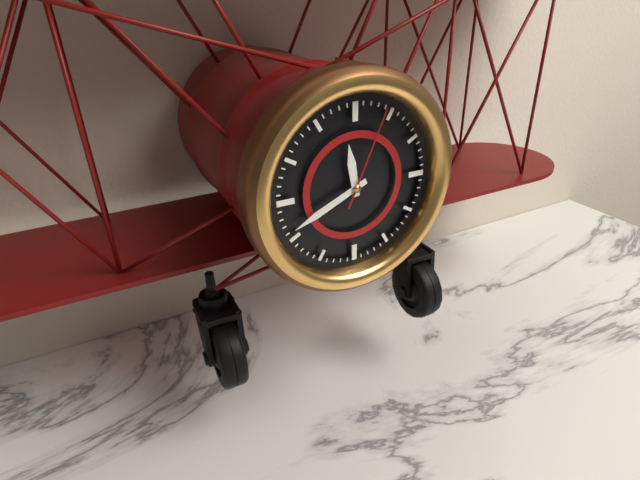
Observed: **11:41:04**
